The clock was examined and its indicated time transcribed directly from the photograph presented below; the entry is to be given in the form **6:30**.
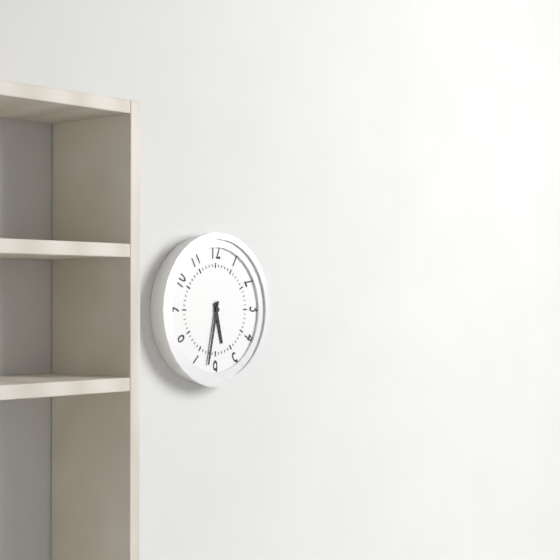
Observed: **5:32**
